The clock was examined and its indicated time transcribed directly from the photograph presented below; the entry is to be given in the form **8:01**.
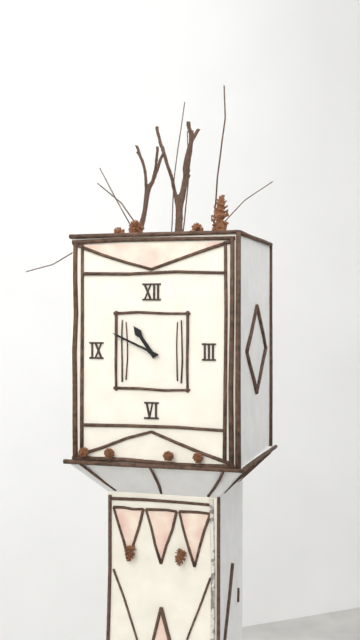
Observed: **10:49**
